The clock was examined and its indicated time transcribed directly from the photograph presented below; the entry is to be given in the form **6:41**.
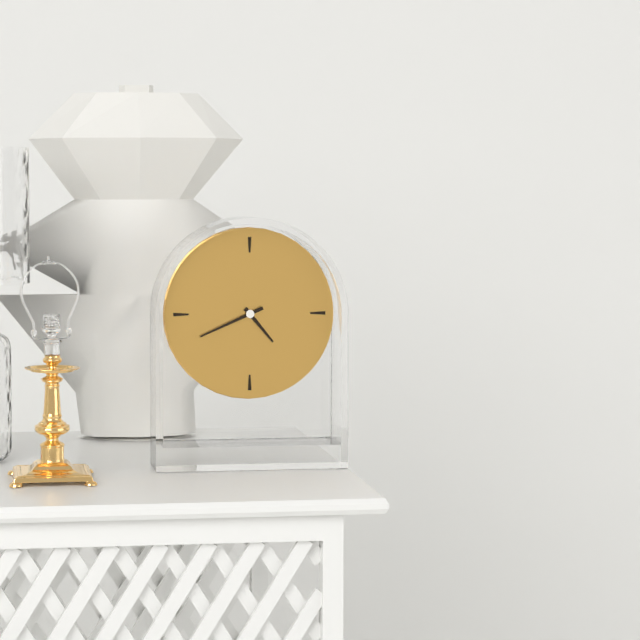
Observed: **4:41**
